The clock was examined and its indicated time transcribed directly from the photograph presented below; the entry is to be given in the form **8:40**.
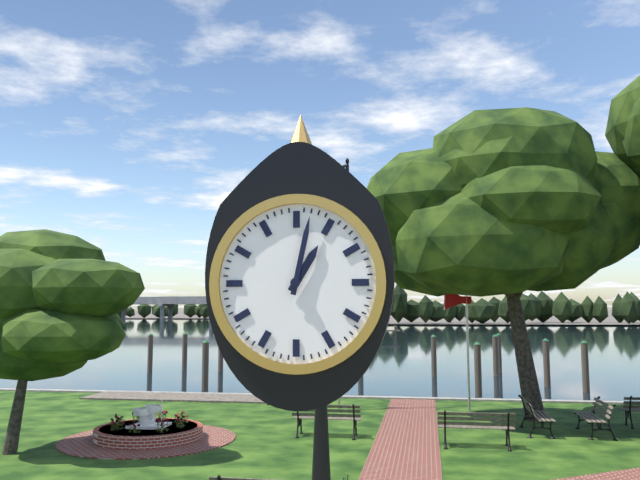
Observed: **1:02**
